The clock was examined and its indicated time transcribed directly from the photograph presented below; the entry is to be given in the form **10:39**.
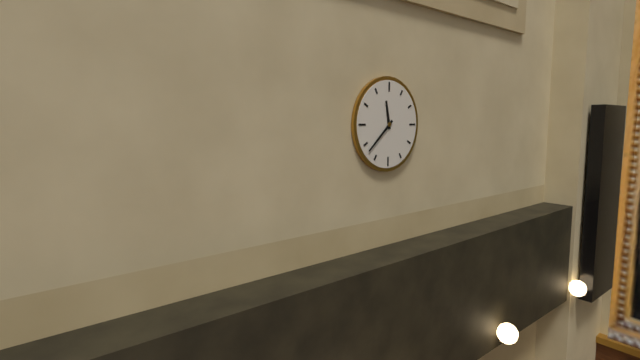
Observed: **11:38**
